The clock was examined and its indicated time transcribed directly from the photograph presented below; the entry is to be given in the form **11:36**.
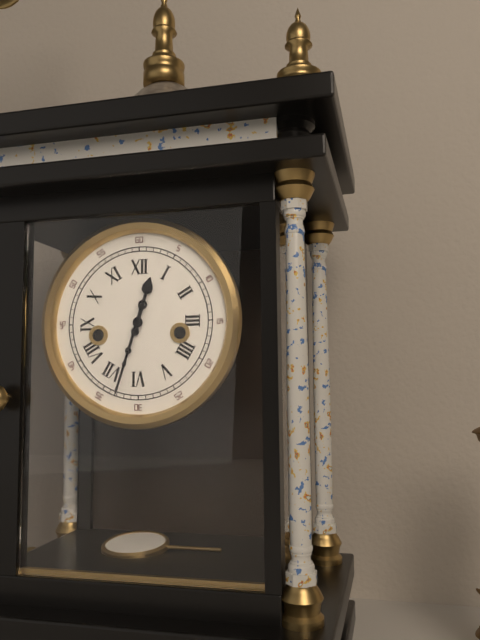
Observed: **12:33**
